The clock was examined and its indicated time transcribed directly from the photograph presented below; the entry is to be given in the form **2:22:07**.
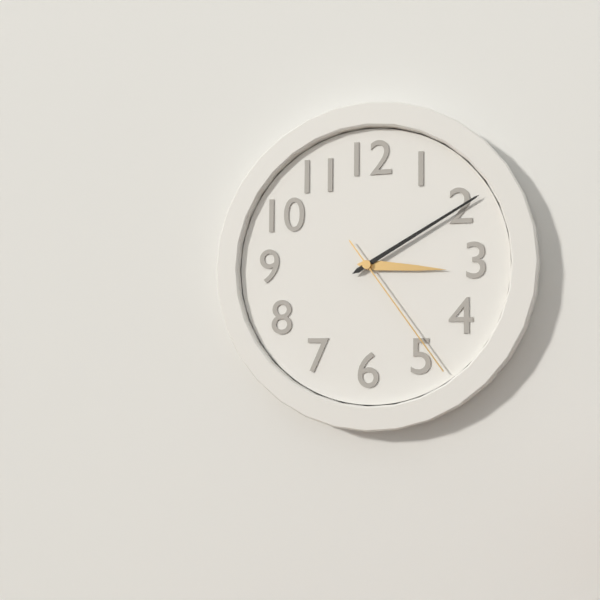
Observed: **3:10:24**
